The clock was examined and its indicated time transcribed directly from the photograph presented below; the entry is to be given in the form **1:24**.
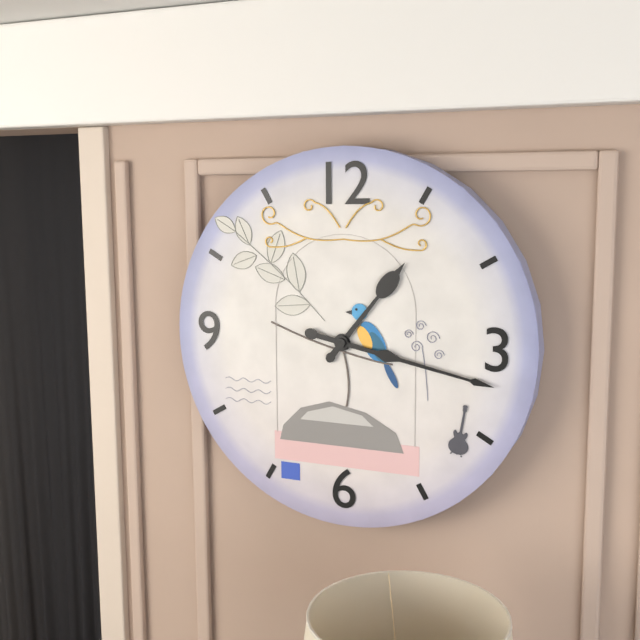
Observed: **1:17**
